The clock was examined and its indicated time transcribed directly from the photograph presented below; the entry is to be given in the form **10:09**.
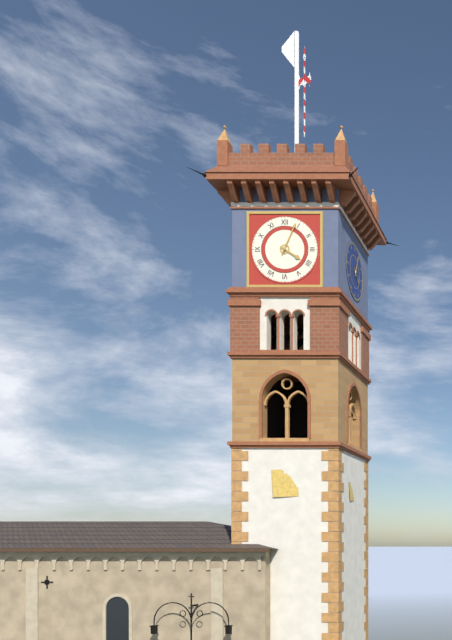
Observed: **4:04**
